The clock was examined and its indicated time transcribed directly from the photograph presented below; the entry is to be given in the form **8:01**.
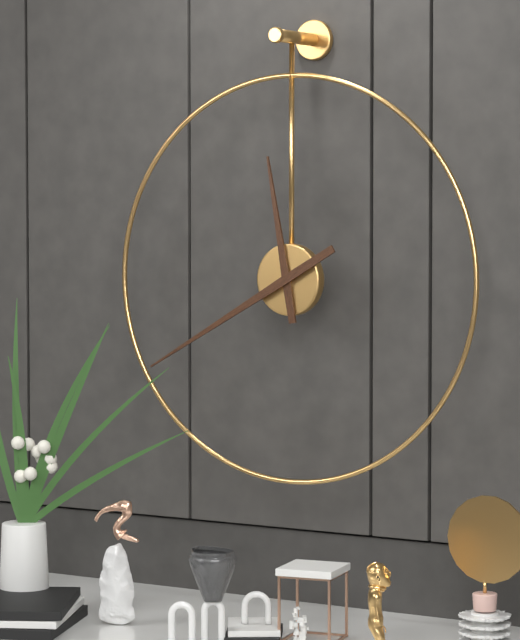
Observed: **11:40**
